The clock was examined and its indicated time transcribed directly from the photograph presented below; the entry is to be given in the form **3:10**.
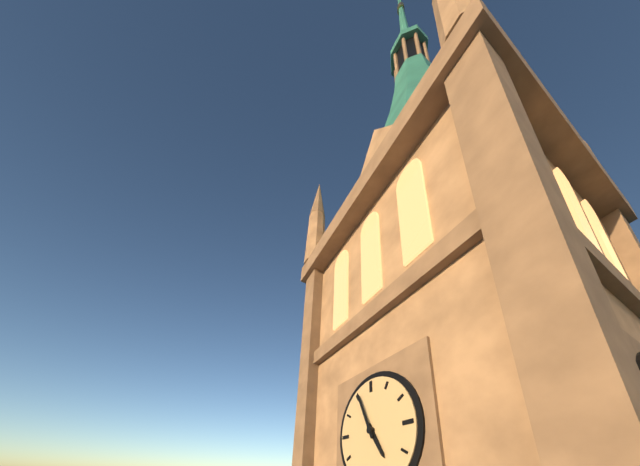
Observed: **4:56**
